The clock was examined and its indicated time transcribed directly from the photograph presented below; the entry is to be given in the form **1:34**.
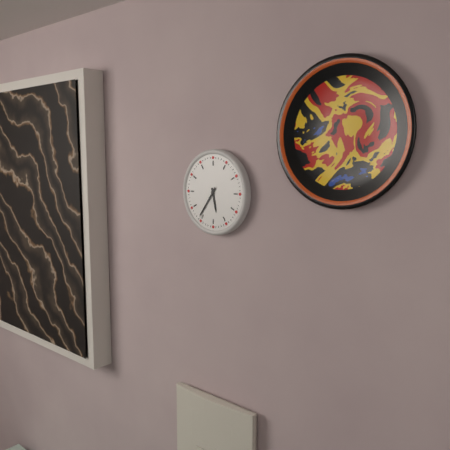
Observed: **5:36**
